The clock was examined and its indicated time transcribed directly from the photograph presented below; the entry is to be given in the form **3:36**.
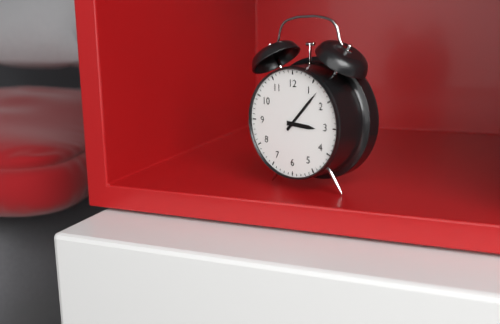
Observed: **3:07**
